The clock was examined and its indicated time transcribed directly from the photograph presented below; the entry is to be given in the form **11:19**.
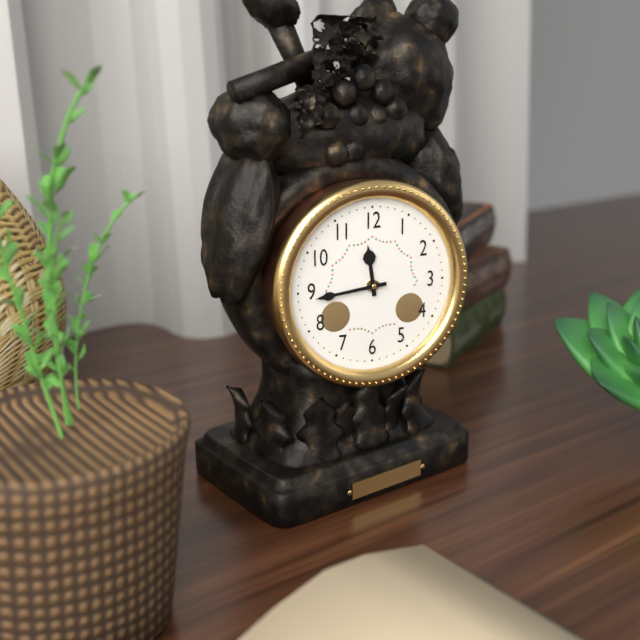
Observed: **11:44**
